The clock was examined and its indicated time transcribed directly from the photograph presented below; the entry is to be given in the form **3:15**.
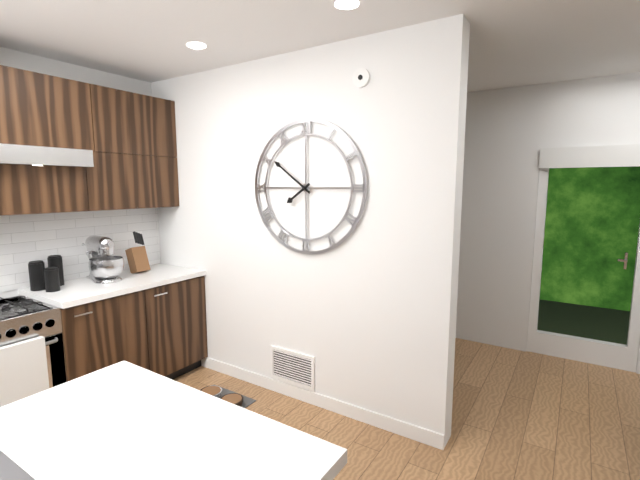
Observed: **7:51**
